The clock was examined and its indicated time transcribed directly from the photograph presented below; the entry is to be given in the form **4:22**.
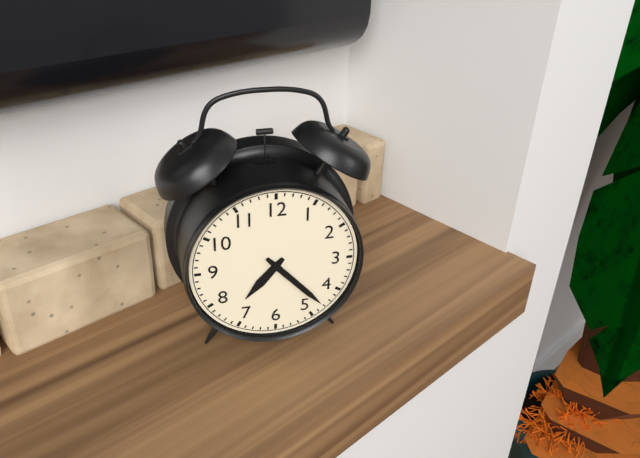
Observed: **7:23**
